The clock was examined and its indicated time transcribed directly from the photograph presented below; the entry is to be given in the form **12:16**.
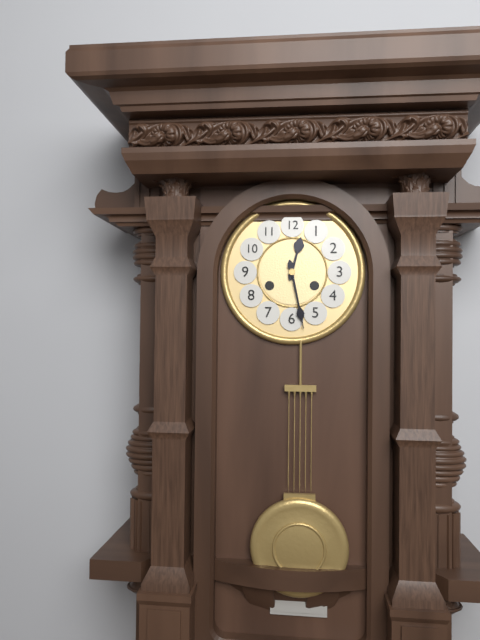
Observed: **12:28**
